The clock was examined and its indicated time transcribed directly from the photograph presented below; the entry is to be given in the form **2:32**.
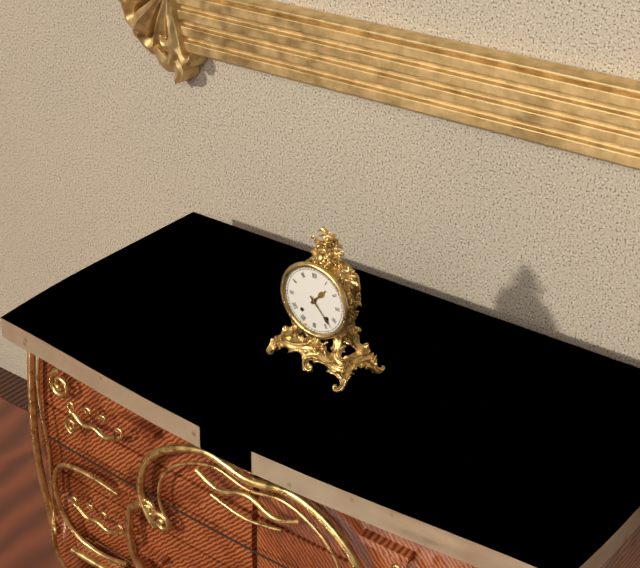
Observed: **1:23**
